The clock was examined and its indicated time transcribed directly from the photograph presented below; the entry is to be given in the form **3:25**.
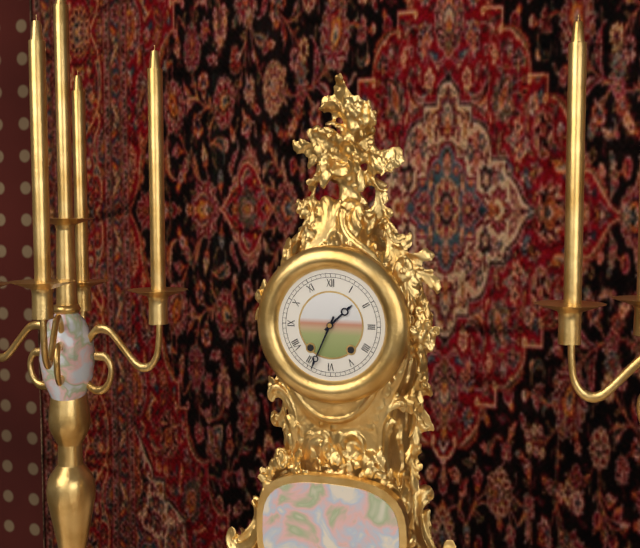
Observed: **1:34**
